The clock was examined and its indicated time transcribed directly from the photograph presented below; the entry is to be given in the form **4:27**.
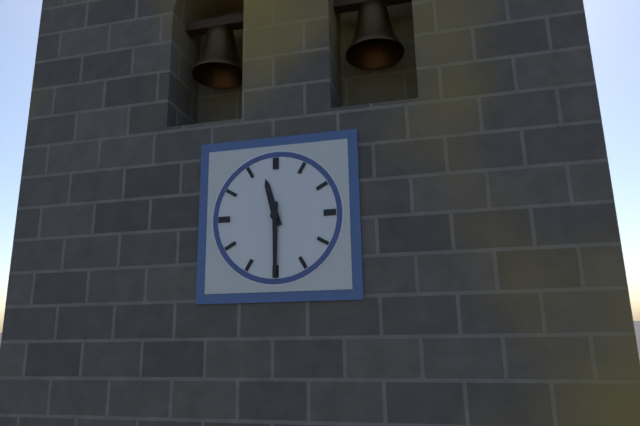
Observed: **11:30**
